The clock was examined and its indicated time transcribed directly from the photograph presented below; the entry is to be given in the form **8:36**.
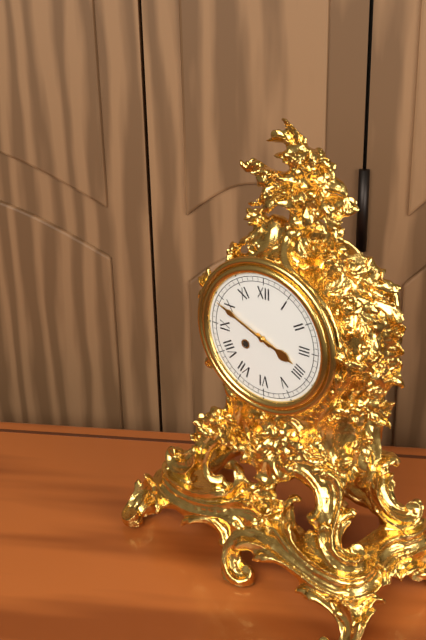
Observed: **3:49**
